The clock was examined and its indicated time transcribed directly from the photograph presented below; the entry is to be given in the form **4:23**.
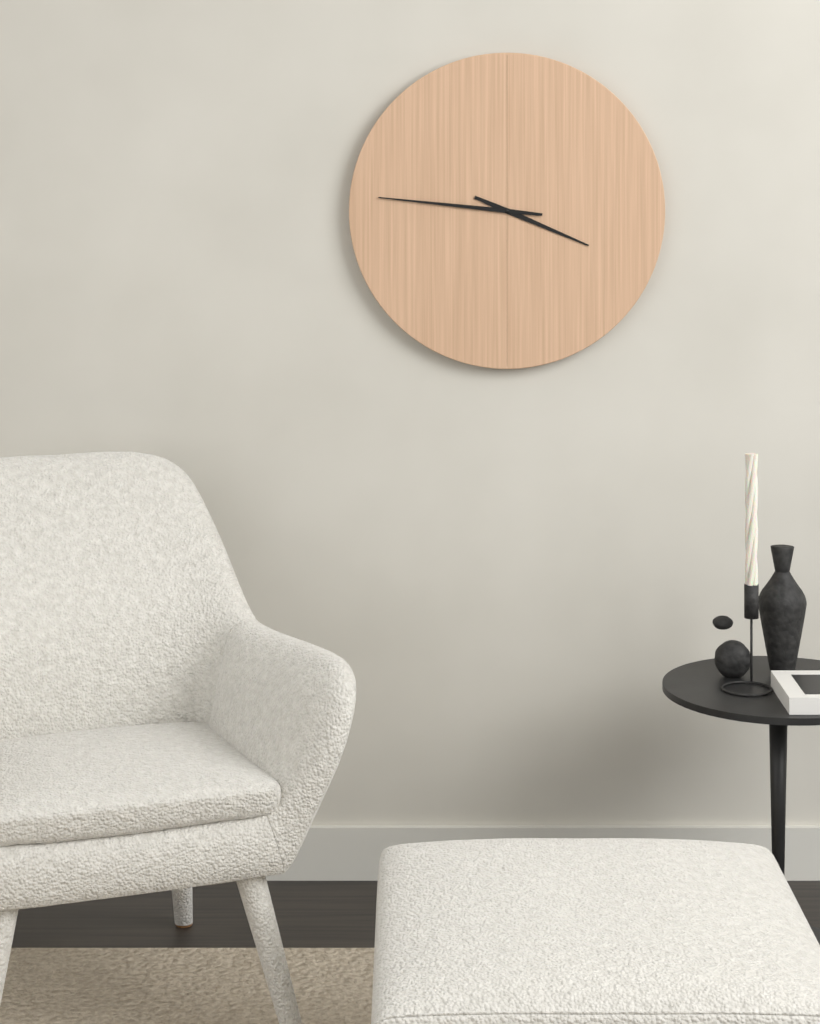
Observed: **3:46**
